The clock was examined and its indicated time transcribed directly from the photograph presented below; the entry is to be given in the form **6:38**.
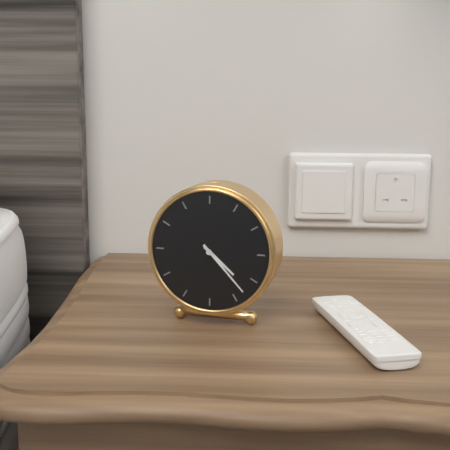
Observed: **4:23**
